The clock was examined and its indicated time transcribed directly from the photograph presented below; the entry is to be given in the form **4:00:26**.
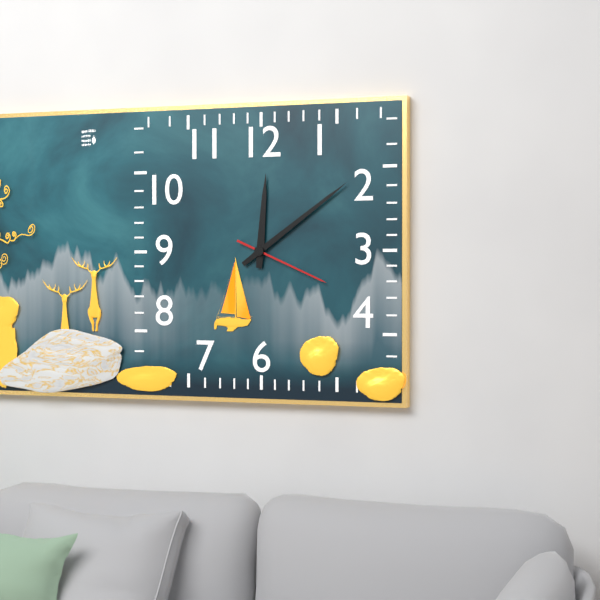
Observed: **12:09:19**
